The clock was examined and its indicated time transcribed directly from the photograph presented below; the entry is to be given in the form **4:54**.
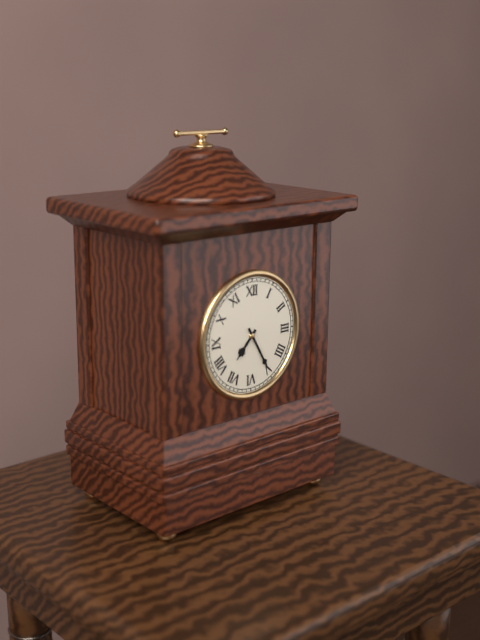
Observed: **7:25**
